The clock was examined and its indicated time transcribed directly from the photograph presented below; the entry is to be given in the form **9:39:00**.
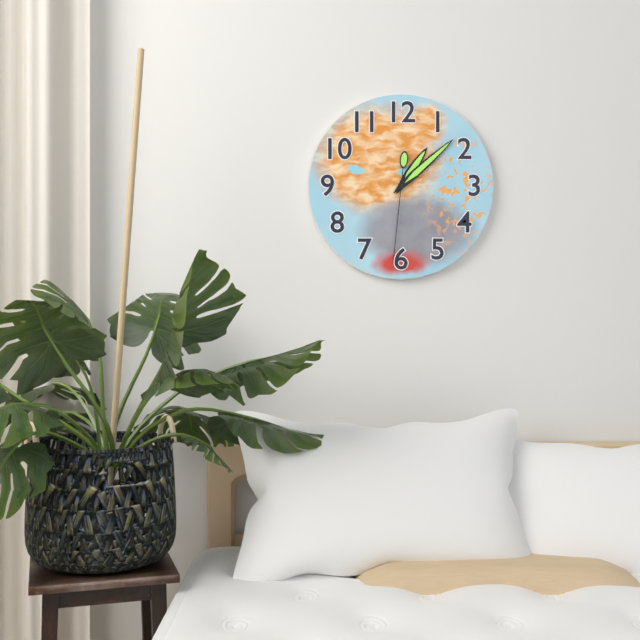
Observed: **1:08:31**
